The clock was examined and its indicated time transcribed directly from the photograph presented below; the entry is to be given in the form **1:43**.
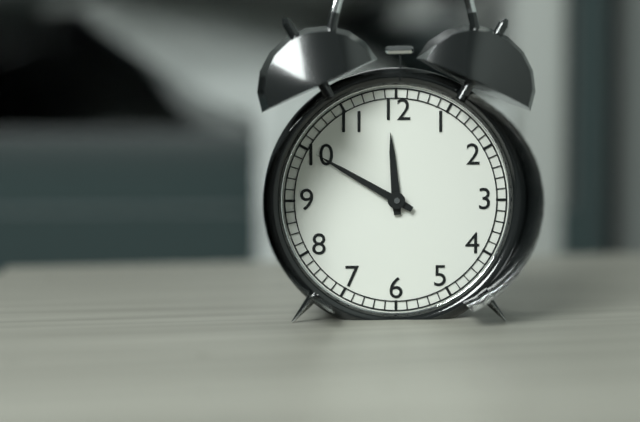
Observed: **11:50**
